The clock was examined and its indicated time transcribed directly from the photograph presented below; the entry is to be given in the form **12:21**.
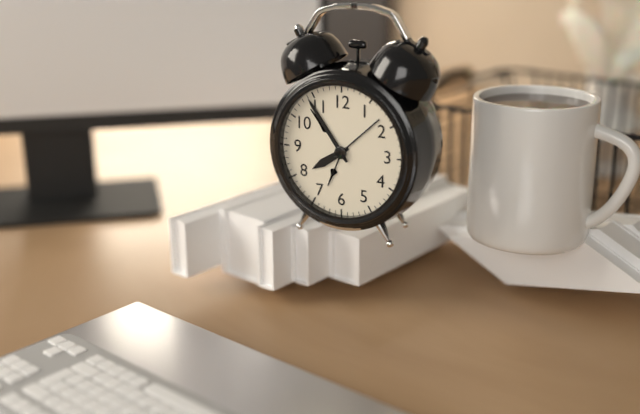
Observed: **7:54**
